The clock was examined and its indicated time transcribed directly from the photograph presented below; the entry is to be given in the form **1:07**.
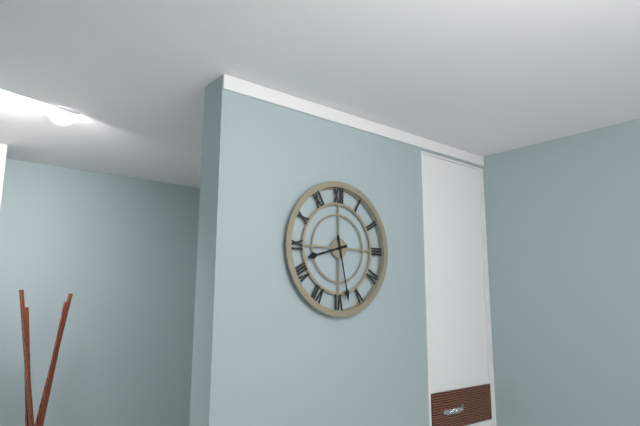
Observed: **8:28**
